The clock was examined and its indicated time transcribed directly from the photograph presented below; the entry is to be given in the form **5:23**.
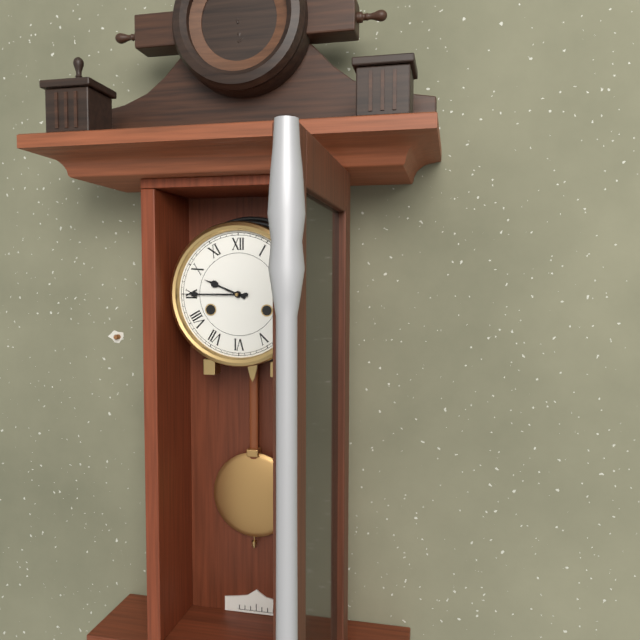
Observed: **9:45**
